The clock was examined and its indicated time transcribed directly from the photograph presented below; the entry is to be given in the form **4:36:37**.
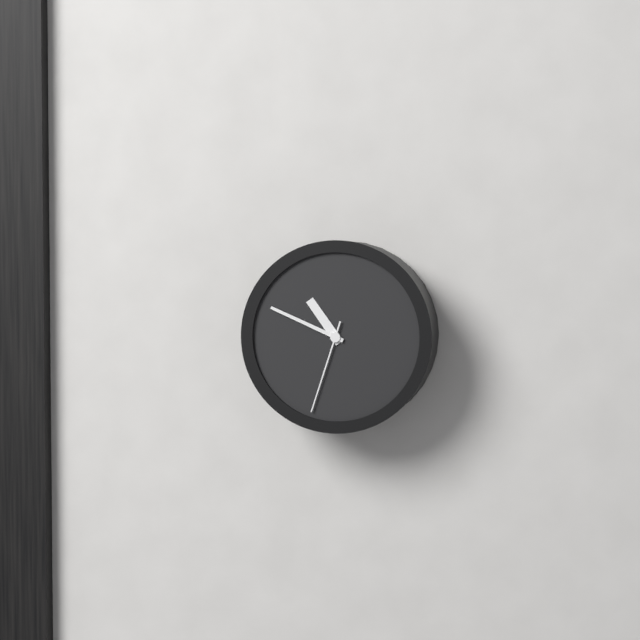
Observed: **10:49:33**
